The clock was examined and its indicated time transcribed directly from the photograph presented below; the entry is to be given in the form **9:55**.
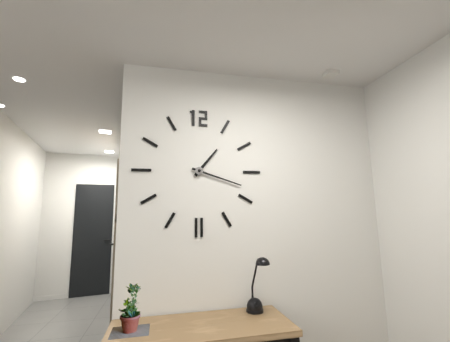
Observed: **1:18**
